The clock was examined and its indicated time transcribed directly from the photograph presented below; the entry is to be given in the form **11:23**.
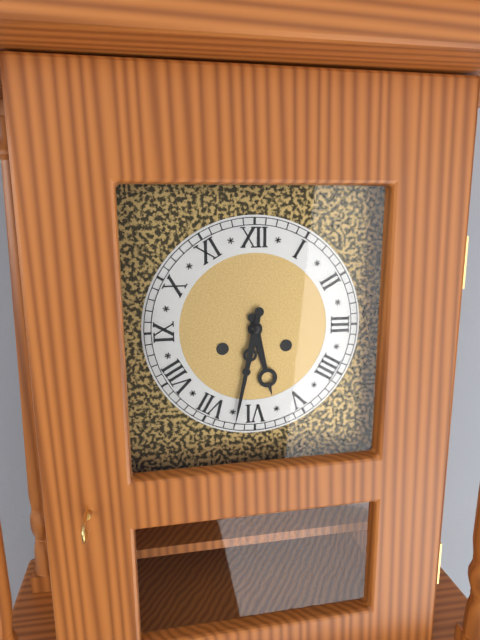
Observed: **5:32**
